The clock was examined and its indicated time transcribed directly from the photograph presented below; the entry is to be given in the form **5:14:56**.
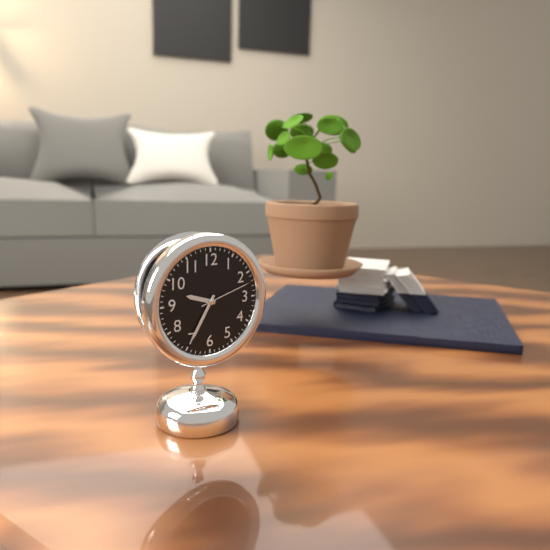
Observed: **9:35:12**
